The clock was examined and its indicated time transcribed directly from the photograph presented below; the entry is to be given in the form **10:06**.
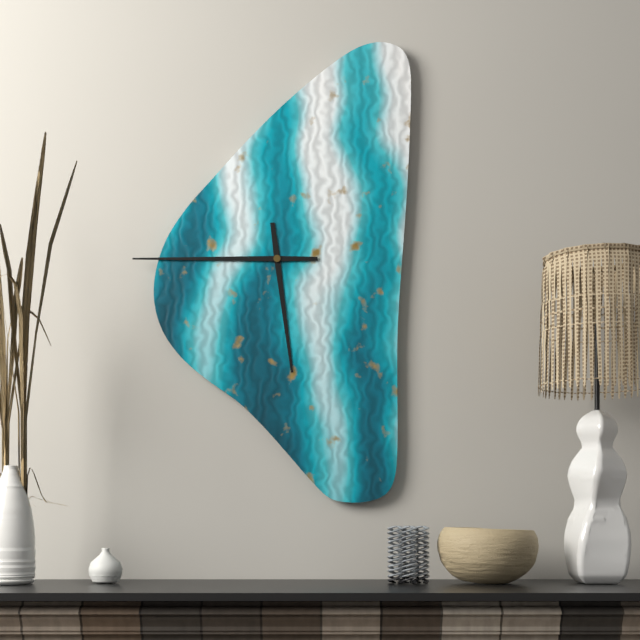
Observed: **5:45**
